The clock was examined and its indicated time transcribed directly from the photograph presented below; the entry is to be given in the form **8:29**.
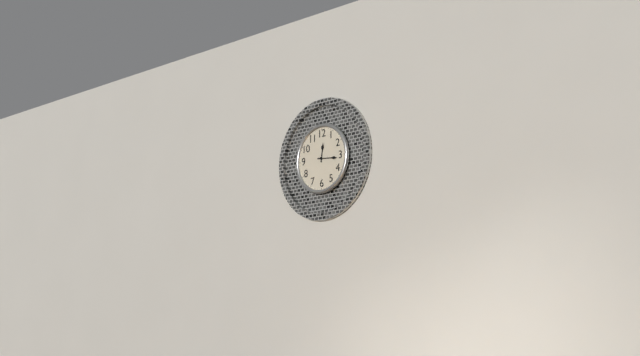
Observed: **12:16**
